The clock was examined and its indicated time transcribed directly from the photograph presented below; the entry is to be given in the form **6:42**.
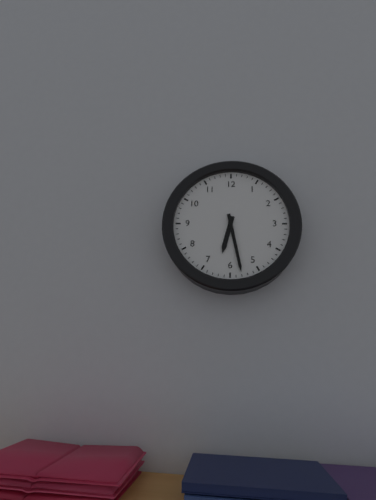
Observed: **6:28**
